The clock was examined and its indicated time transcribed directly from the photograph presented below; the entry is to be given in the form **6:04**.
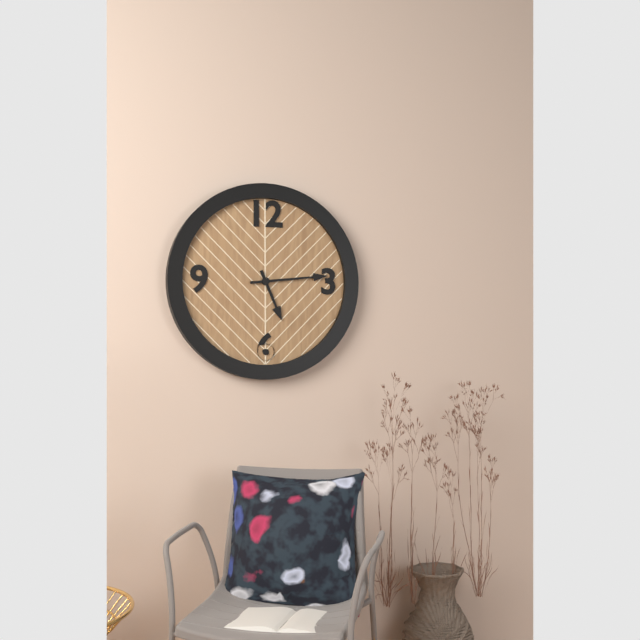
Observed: **5:14**
